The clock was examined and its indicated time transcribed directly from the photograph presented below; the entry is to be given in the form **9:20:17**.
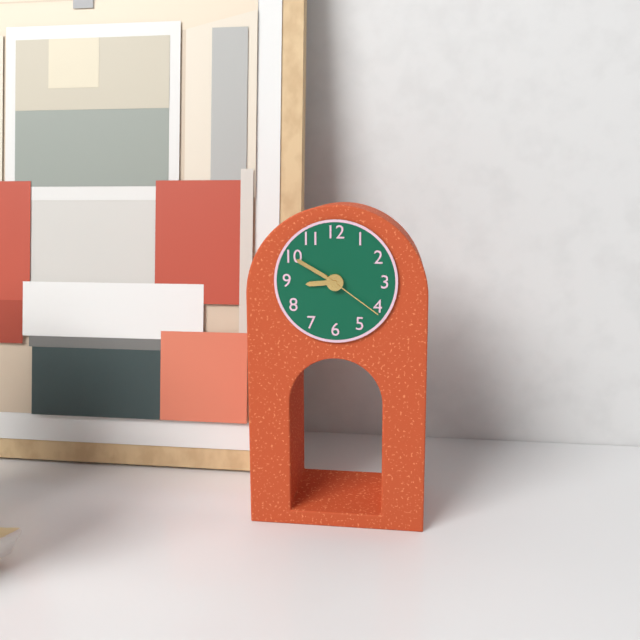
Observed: **8:50:21**
